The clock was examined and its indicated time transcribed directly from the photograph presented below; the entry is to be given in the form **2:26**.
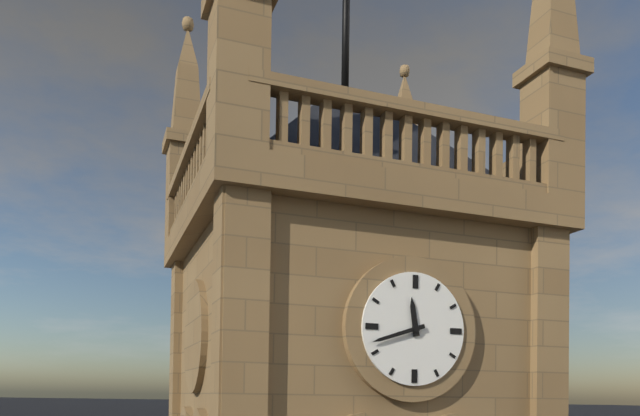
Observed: **11:42**
